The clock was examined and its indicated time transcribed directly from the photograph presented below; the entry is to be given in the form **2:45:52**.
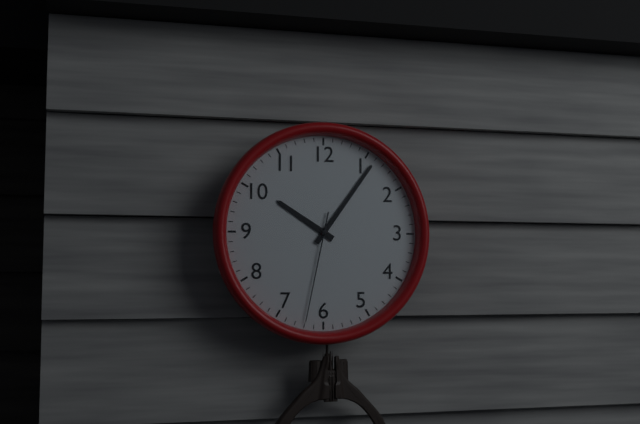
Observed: **10:06:32**
